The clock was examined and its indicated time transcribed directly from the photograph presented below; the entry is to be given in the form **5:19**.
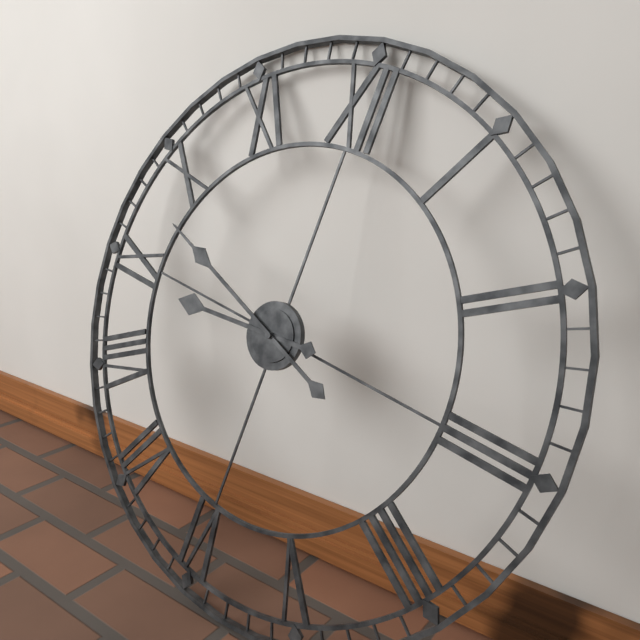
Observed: **8:48**
